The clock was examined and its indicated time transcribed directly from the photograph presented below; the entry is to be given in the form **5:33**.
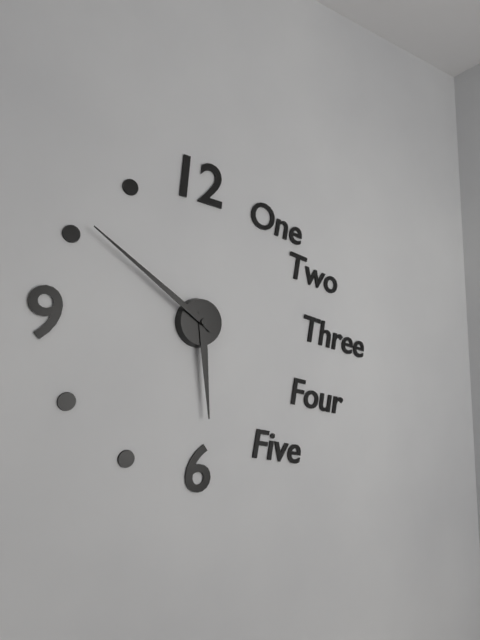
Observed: **5:51**
